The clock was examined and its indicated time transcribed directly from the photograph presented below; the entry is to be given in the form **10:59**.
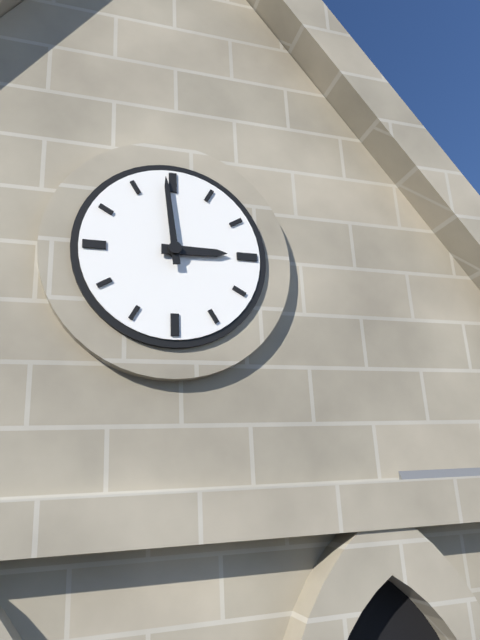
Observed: **2:59**
